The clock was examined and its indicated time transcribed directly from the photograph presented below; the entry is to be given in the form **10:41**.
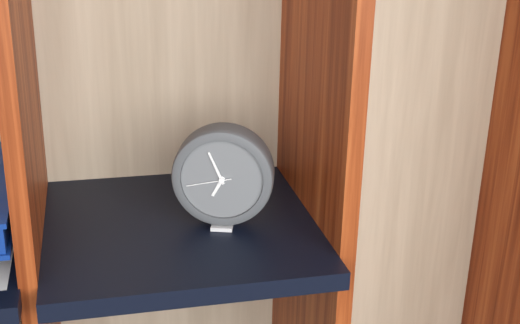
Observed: **6:56**
